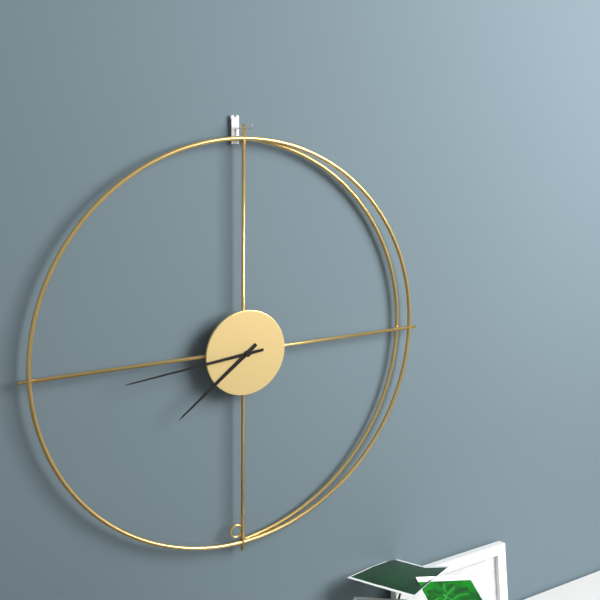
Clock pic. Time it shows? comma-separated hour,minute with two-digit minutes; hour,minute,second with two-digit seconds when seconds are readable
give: 7,44
